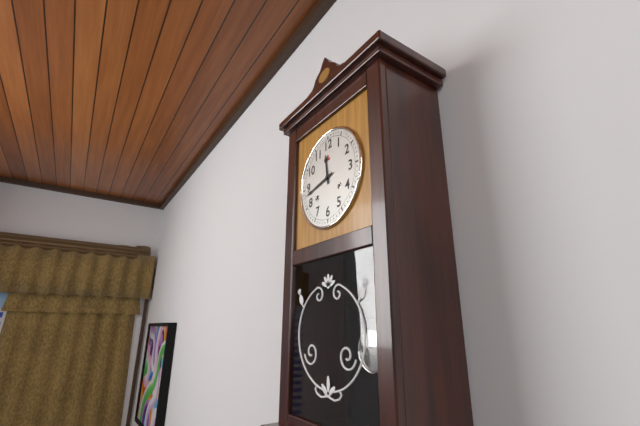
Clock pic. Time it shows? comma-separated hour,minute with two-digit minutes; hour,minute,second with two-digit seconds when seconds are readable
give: 11,43
